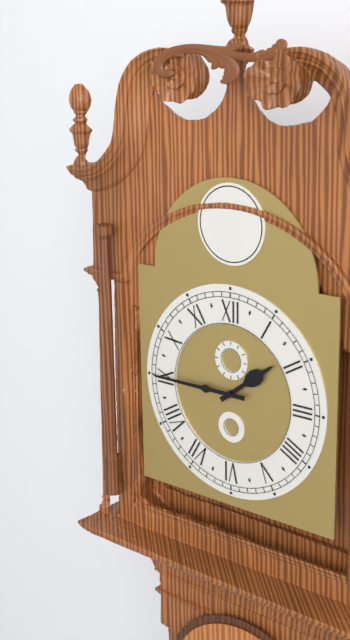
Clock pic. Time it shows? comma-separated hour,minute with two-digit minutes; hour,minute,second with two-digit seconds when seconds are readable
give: 1,45
